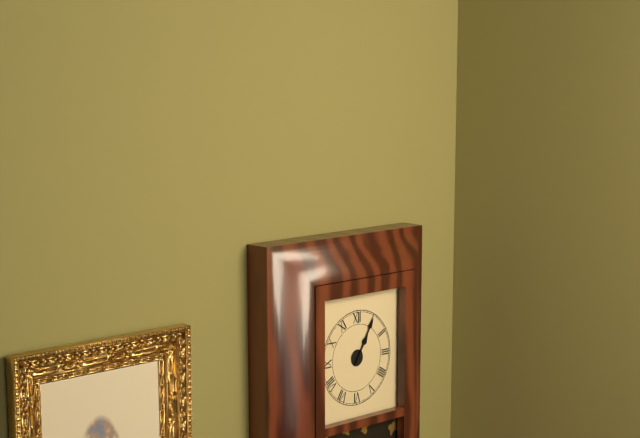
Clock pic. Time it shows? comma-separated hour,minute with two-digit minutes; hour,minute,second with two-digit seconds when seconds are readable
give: 1,05
